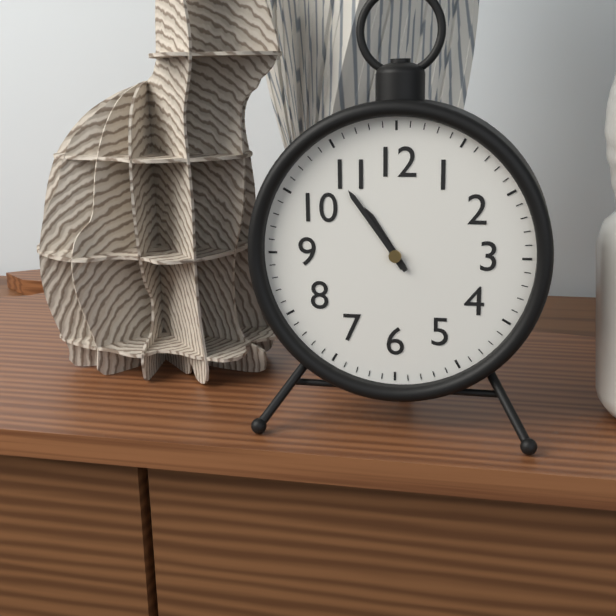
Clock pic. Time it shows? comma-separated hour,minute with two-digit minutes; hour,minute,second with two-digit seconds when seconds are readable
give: 10,54
